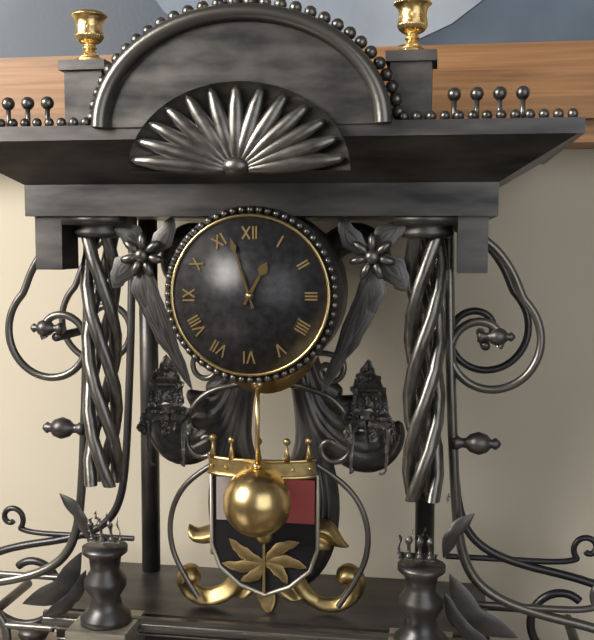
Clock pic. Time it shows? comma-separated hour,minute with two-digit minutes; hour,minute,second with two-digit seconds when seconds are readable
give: 12,57
